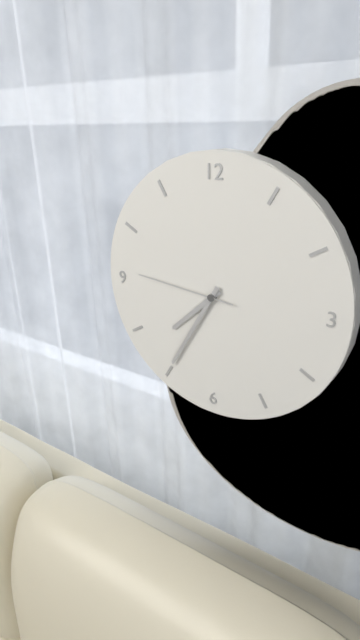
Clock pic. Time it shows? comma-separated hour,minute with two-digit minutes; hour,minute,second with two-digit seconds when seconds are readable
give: 7,35,46
